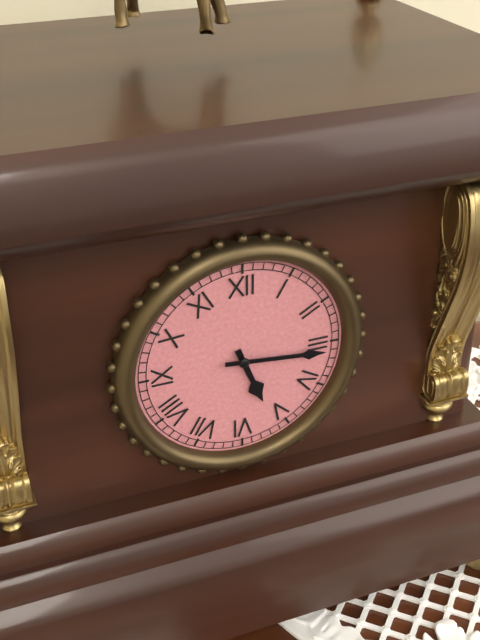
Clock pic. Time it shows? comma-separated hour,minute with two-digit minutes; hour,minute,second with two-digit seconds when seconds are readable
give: 5,16
